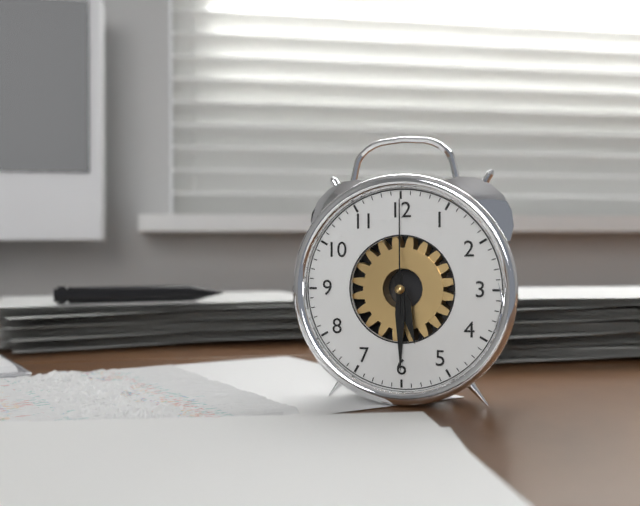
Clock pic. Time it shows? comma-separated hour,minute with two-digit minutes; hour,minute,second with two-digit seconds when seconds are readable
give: 5,30,00
